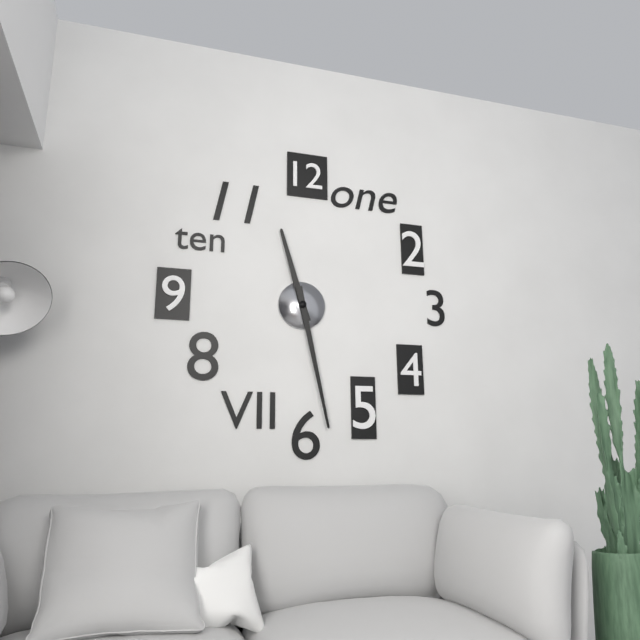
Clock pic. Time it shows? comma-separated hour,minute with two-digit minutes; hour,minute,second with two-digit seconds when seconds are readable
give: 11,28
